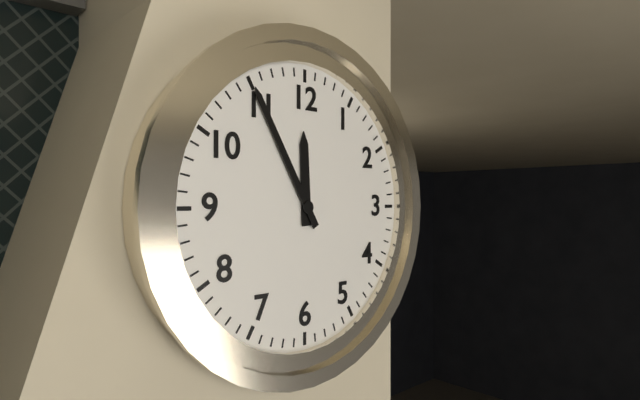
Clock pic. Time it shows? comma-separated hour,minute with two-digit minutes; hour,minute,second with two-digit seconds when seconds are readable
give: 11,55
